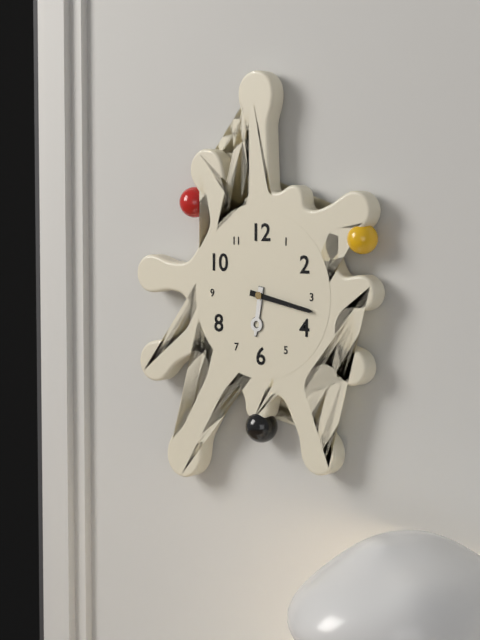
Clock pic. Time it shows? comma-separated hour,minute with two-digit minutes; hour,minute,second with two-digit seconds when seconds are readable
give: 6,17
